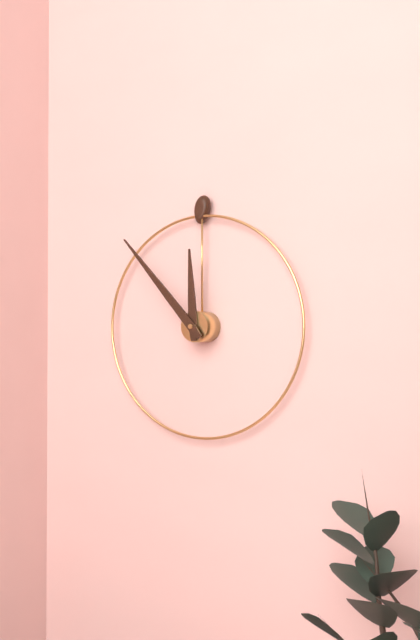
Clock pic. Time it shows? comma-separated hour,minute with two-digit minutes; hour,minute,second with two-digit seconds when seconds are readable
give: 11,53
